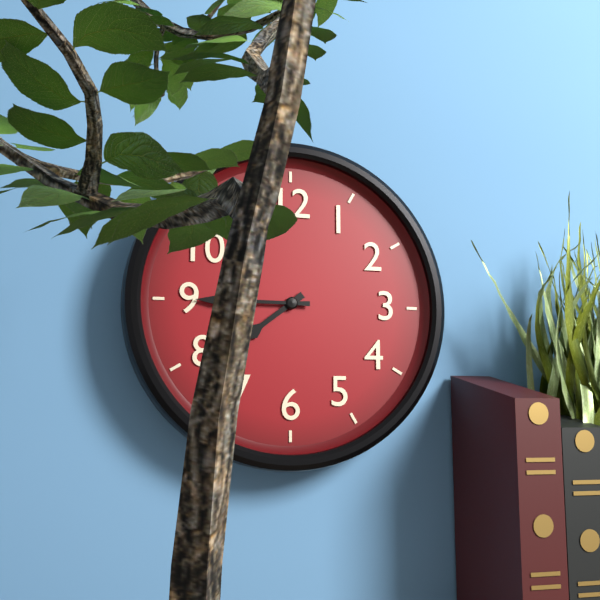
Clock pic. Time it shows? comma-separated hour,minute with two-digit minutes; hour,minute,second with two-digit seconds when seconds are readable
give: 7,45
